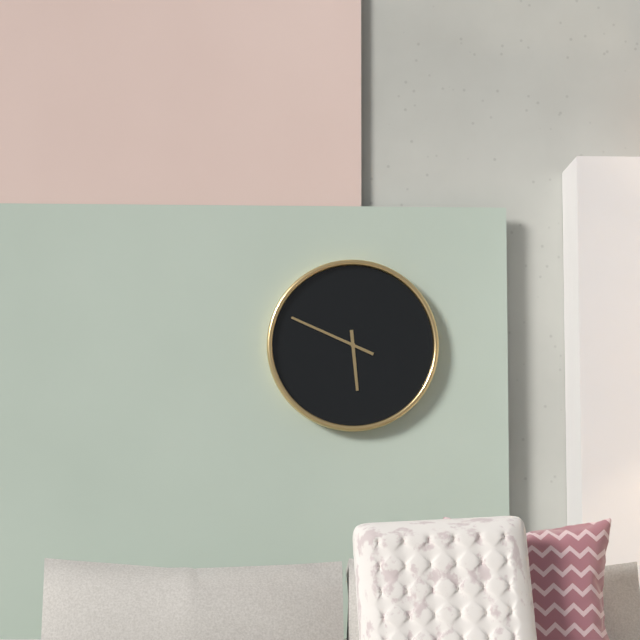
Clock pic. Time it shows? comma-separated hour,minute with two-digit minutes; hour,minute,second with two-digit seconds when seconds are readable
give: 5,49
